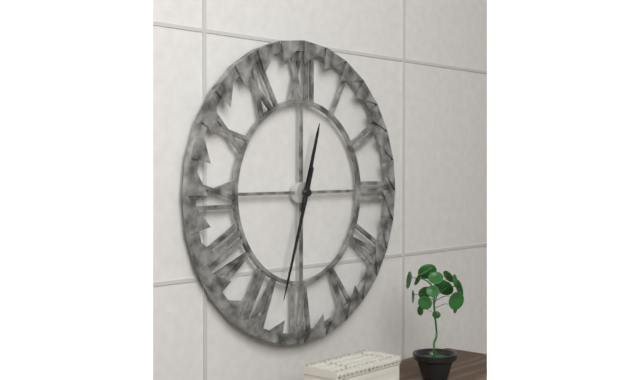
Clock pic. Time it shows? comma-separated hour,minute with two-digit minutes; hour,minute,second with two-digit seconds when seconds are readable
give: 12,33
